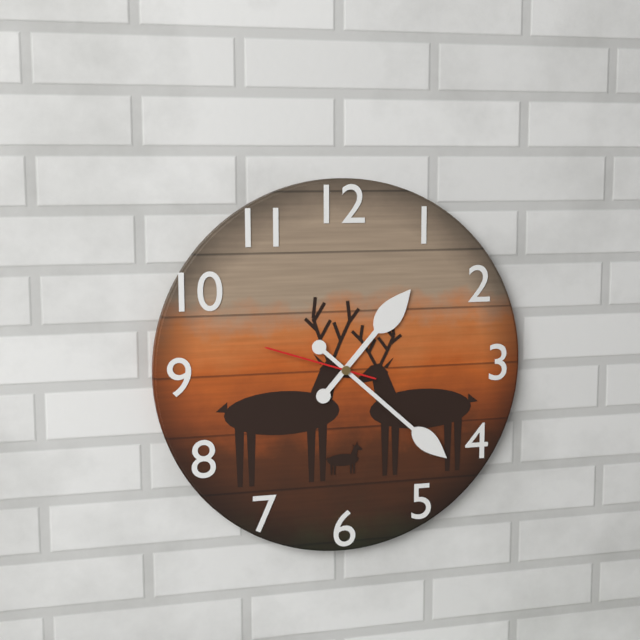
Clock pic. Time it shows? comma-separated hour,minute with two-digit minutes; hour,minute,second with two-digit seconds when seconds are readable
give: 1,22,48
